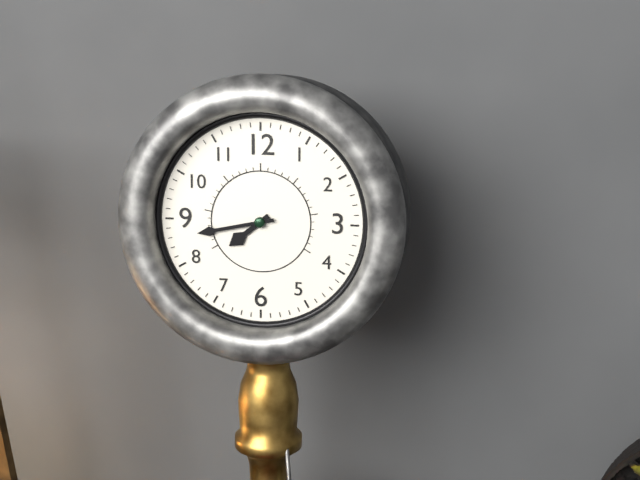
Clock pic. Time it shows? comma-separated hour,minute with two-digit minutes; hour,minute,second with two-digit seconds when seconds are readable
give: 7,43
